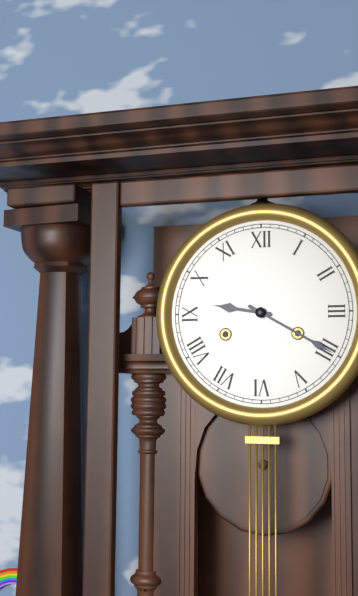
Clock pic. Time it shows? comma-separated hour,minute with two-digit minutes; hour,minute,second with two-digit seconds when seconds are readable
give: 9,20
